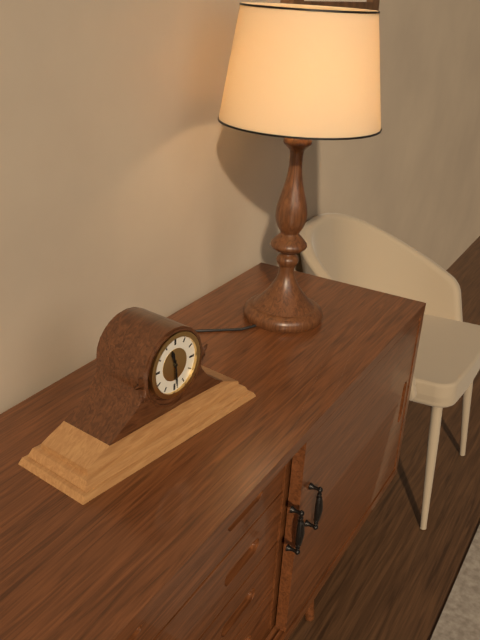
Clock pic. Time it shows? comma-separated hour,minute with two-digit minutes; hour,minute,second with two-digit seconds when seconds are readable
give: 11,29
